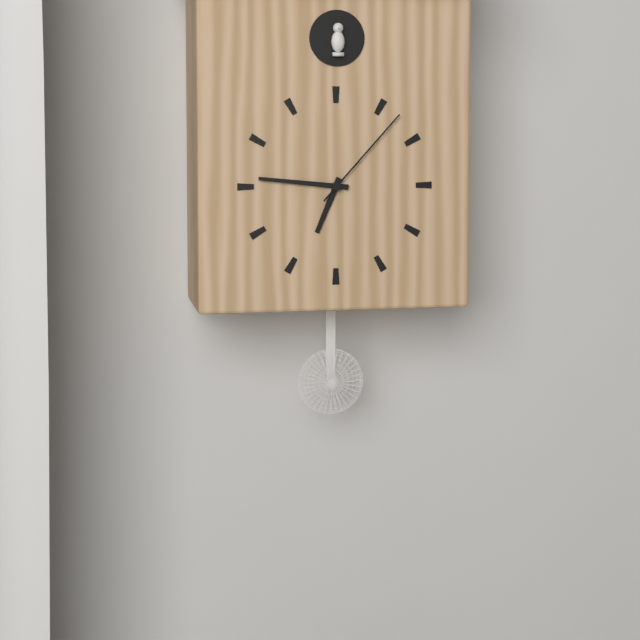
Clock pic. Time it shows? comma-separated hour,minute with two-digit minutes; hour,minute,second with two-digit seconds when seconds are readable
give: 6,46,07
